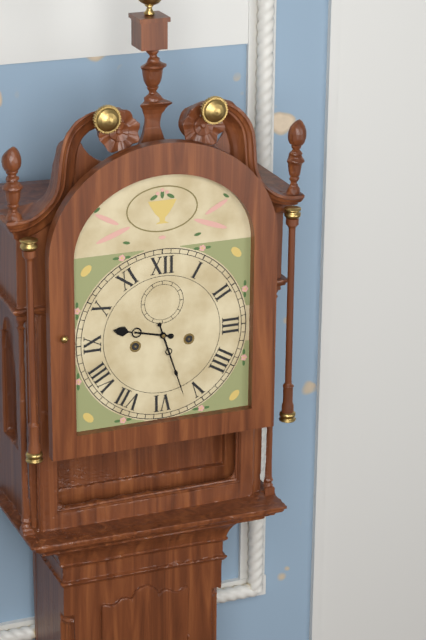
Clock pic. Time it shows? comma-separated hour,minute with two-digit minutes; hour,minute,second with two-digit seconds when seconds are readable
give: 9,27
